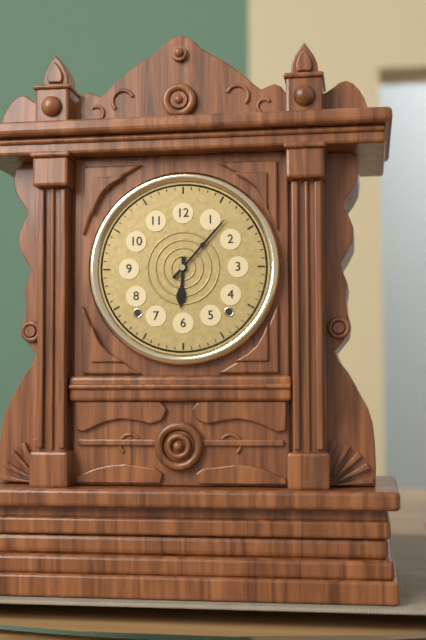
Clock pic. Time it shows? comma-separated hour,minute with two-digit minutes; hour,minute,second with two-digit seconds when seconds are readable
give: 6,07
